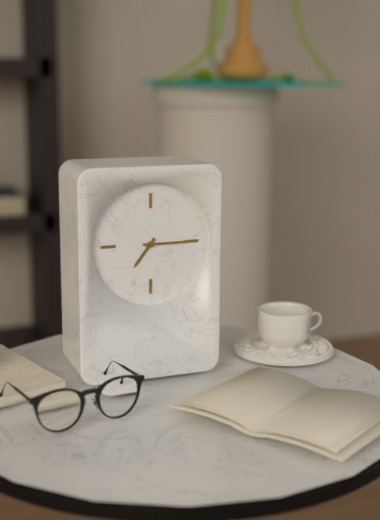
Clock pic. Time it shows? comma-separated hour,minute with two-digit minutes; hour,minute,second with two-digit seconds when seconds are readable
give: 7,15
